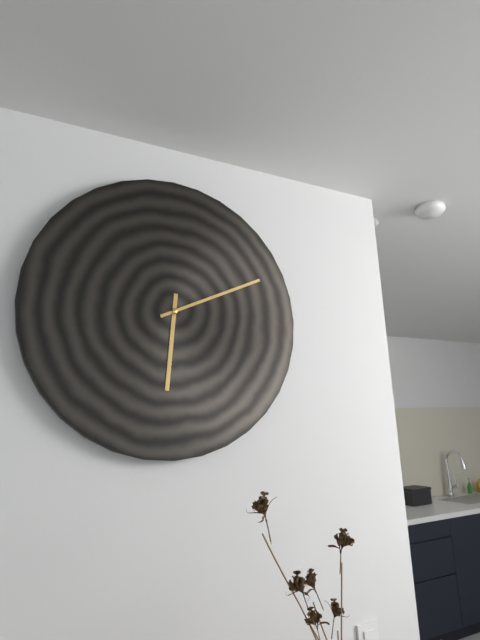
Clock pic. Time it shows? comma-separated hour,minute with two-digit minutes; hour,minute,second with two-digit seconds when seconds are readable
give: 6,11
